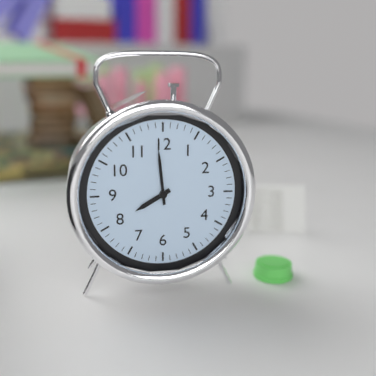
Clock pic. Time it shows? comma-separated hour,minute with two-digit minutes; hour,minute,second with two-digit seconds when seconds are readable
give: 7,59
